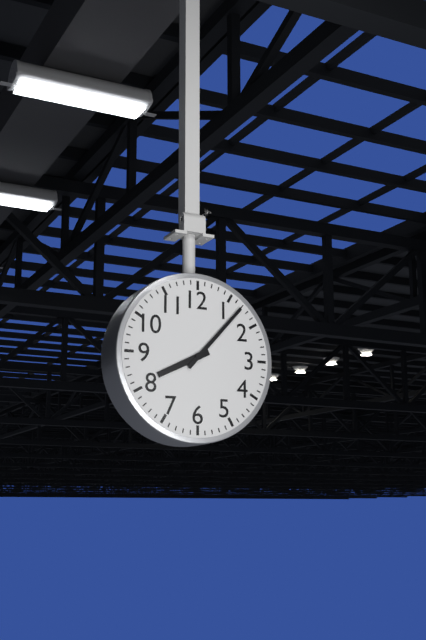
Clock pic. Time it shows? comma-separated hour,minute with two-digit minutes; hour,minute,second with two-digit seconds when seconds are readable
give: 8,07
